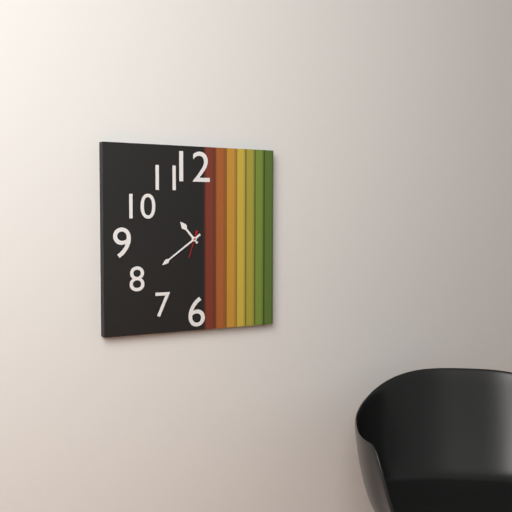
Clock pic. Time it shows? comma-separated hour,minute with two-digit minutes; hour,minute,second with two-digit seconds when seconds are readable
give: 10,39
